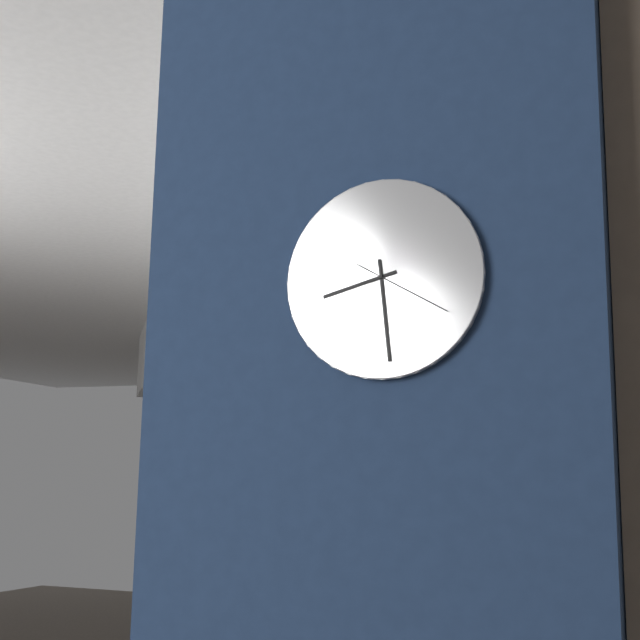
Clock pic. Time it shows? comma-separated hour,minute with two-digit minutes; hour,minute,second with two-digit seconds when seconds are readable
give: 8,29,20
